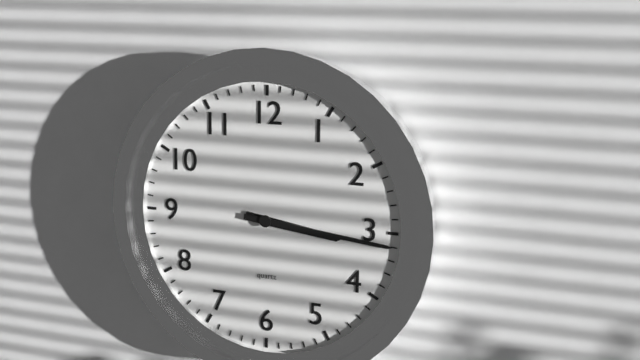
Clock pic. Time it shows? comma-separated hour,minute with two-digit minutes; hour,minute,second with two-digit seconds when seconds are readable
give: 3,16
